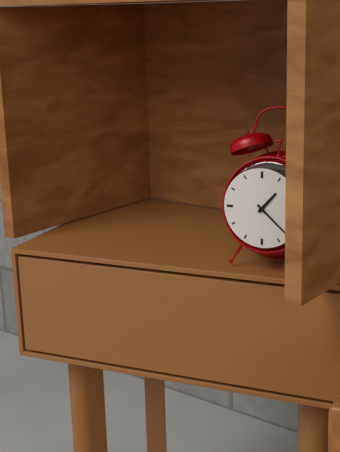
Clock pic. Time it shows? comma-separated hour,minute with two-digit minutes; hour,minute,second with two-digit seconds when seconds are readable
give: 1,22
